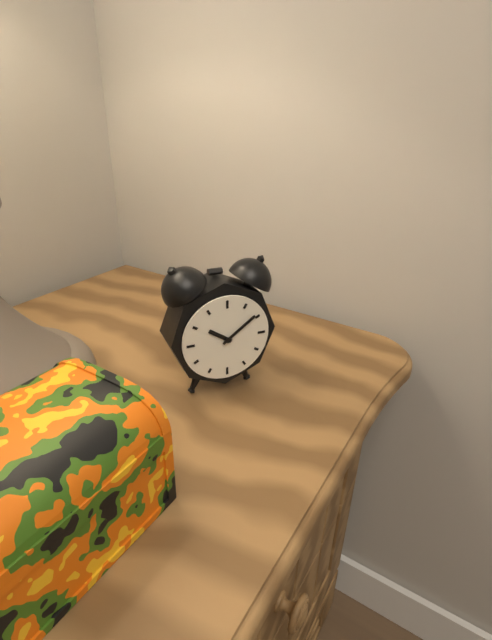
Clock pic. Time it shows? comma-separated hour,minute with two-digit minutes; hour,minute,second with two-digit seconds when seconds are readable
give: 10,09
